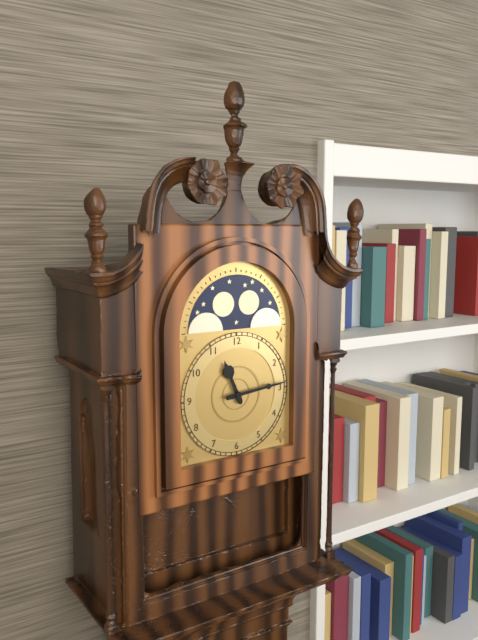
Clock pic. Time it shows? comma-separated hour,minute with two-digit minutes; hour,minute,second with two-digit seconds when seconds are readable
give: 11,14
